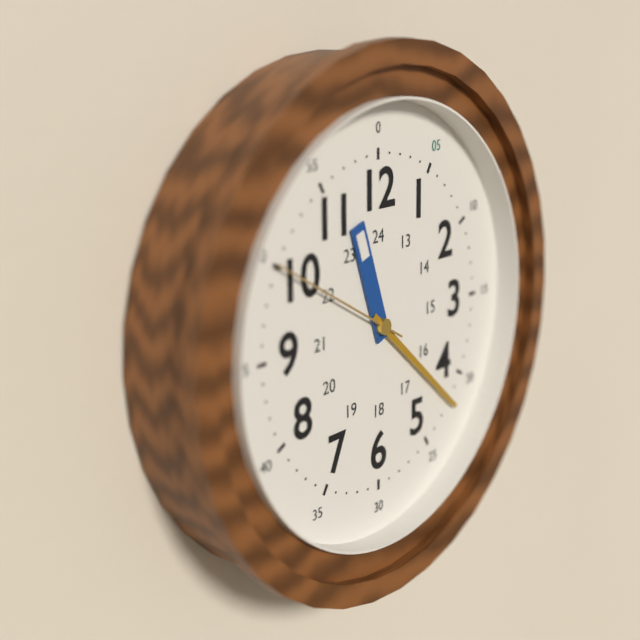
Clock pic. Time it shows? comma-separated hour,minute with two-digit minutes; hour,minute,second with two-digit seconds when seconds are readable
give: 11,22,50
